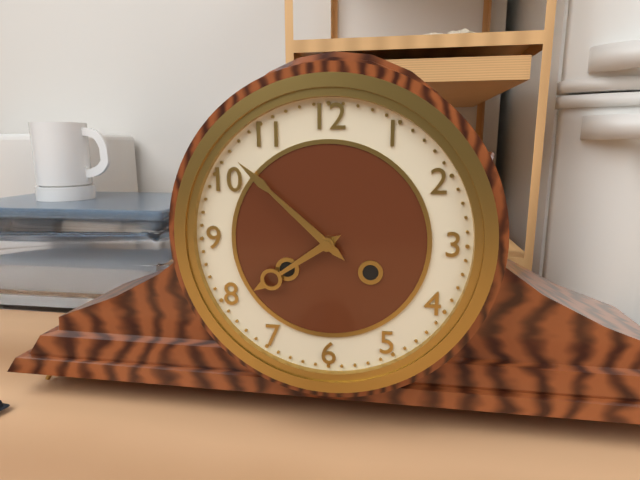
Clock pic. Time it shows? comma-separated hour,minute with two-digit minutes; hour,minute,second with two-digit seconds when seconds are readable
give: 7,52
